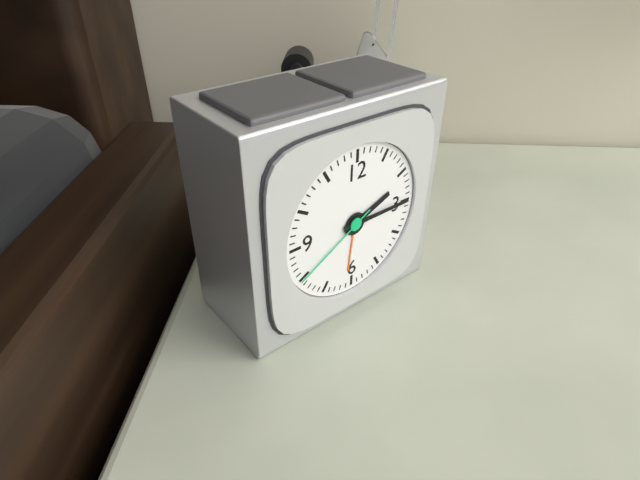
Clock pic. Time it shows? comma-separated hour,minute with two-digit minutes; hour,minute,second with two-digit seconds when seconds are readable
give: 2,15,40
